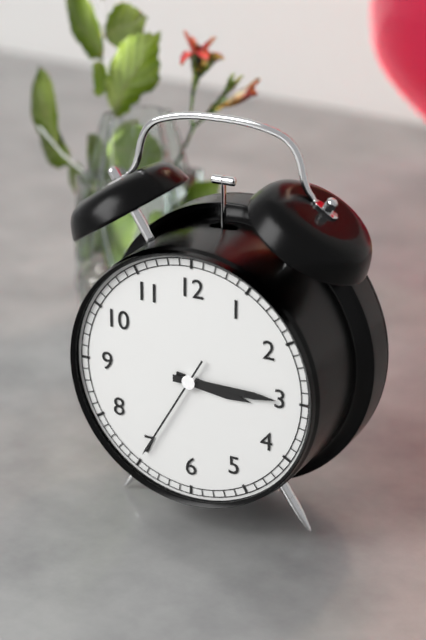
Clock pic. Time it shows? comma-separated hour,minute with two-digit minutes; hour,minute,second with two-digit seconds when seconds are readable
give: 3,15,35
